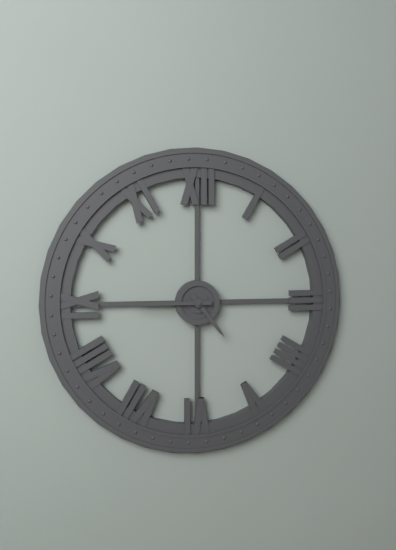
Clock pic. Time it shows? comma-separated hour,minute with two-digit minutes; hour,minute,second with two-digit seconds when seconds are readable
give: 4,45
